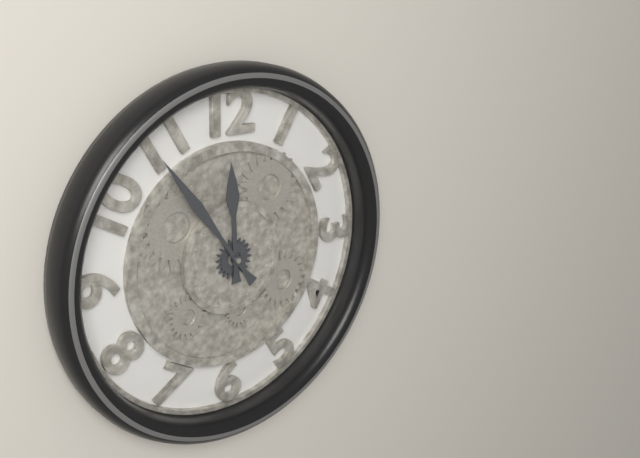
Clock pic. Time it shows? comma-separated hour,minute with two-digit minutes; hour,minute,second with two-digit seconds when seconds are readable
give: 11,54
